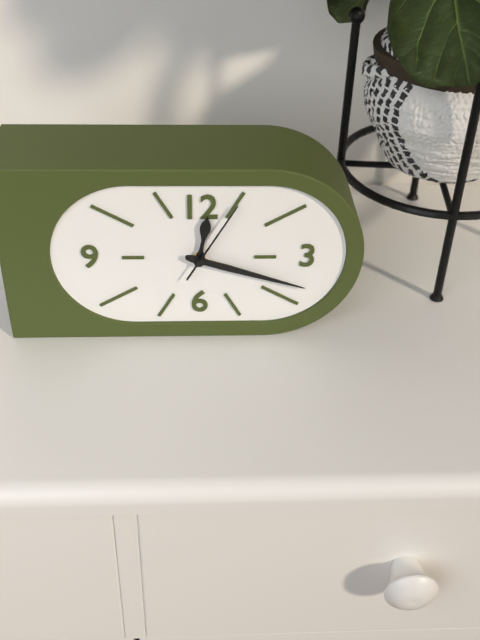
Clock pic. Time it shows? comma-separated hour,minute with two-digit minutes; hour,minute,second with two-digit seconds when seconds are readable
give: 12,18,05
